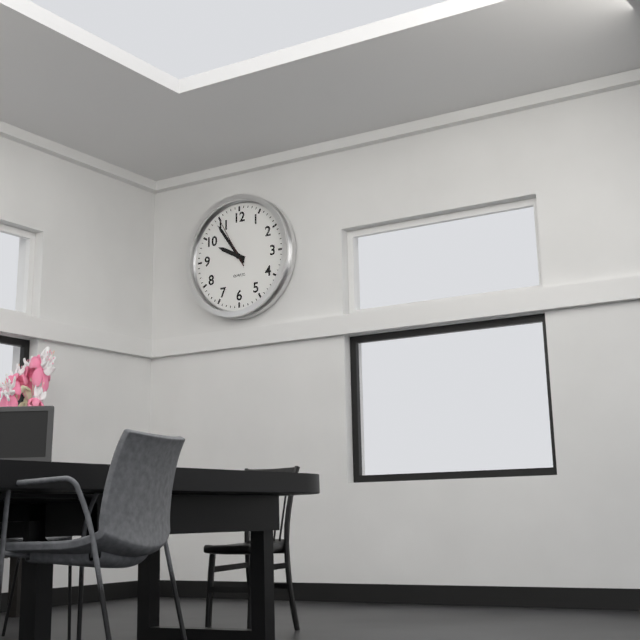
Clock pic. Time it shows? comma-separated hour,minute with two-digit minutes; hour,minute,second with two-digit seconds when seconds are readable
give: 9,54,55
